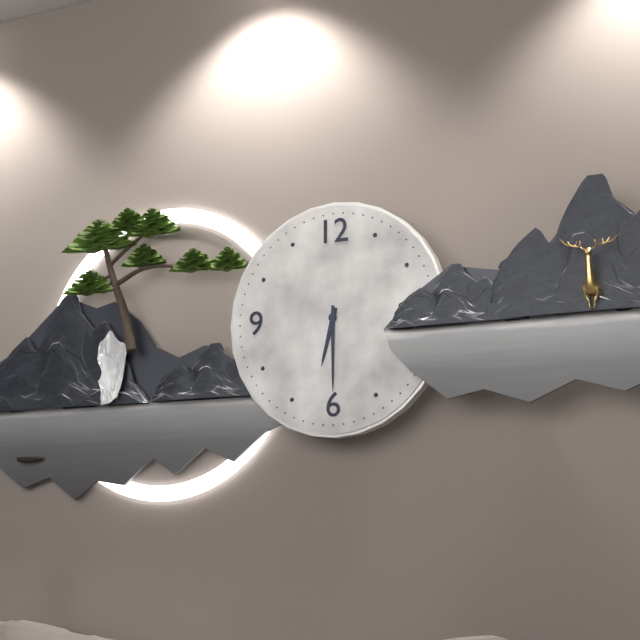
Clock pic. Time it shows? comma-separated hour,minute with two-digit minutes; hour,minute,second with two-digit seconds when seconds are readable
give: 6,30
